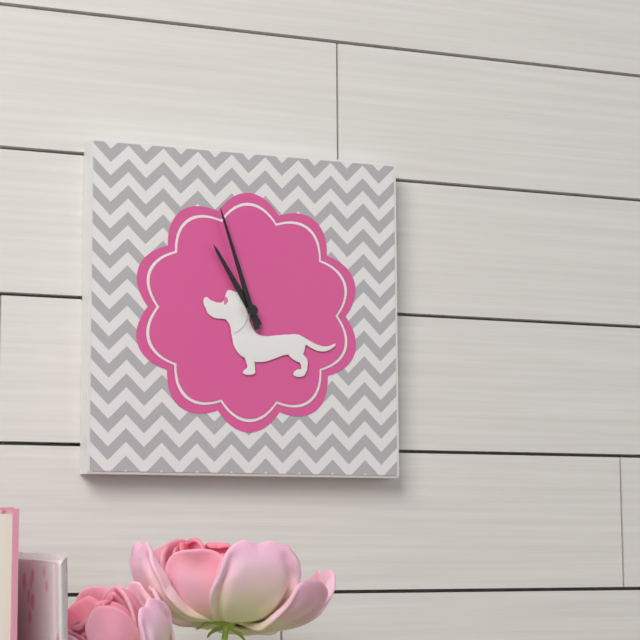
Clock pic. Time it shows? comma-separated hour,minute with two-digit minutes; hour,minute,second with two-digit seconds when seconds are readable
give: 10,57
